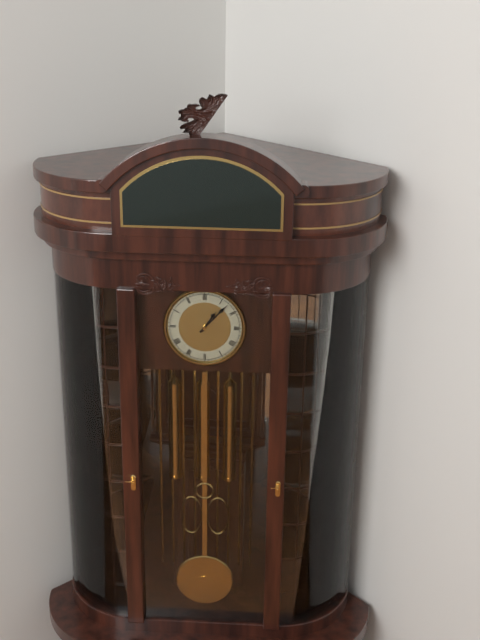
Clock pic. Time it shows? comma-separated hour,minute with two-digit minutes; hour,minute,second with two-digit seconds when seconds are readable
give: 1,07
